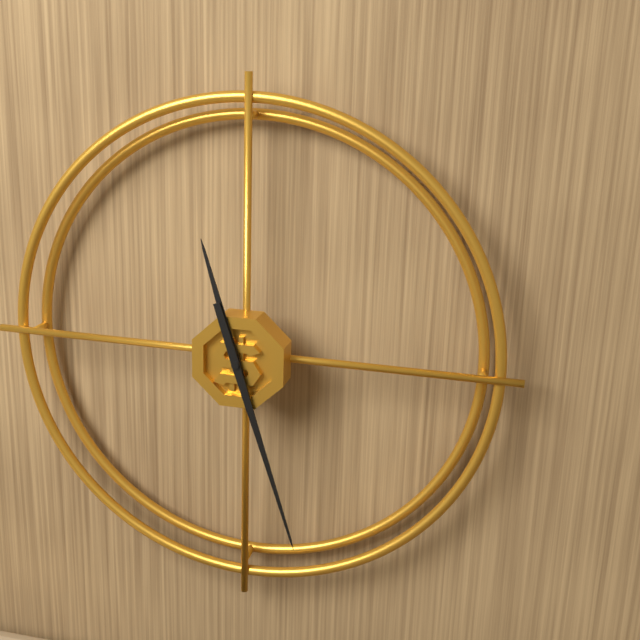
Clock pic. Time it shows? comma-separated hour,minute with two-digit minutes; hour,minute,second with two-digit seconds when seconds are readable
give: 11,27
